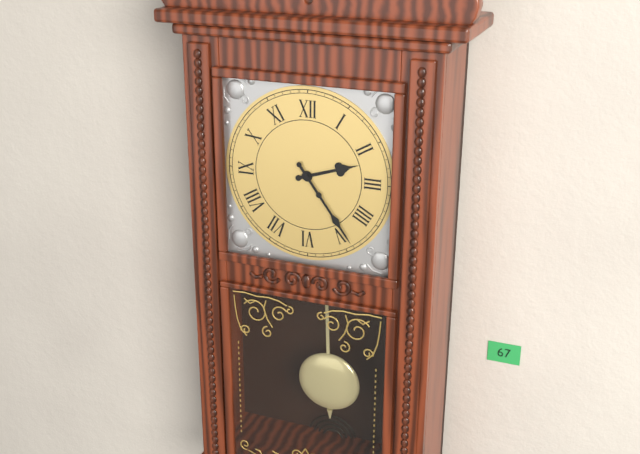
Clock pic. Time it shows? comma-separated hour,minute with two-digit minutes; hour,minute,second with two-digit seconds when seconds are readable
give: 2,24
